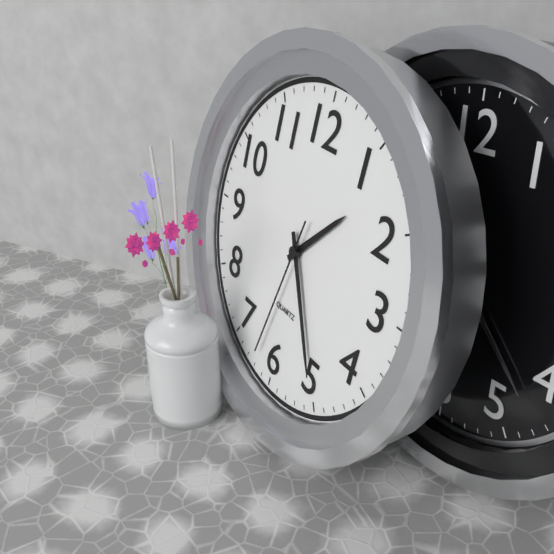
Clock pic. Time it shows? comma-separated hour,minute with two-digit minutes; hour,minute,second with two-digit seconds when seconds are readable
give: 1,25,32
